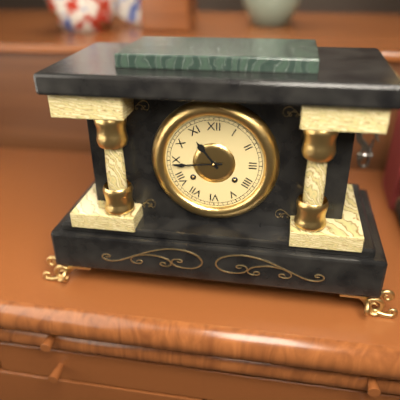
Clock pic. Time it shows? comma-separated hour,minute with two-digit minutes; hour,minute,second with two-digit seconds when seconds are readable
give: 10,44
